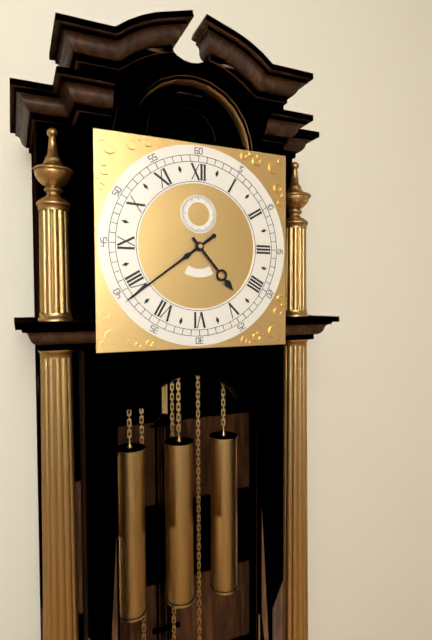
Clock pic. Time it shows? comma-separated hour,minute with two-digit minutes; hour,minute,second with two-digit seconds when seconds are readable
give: 4,39
